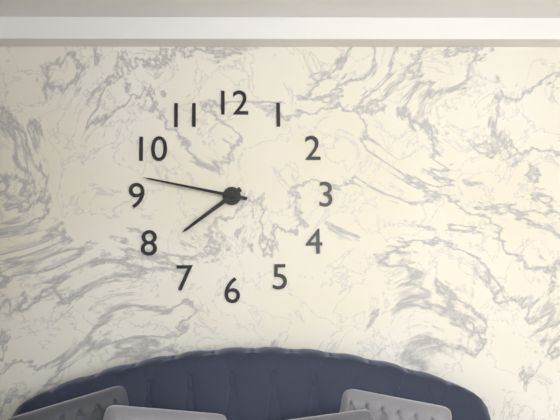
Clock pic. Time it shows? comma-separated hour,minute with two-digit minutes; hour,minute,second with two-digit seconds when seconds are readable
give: 7,47
